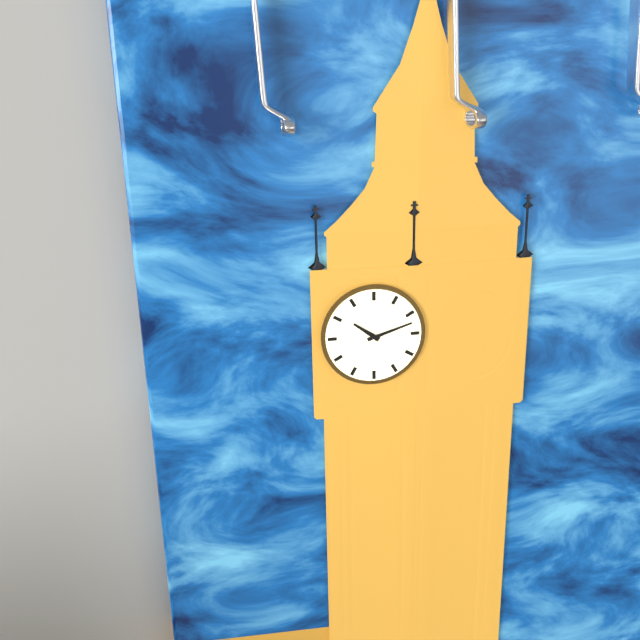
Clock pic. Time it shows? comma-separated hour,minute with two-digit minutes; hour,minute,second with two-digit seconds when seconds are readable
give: 10,12
